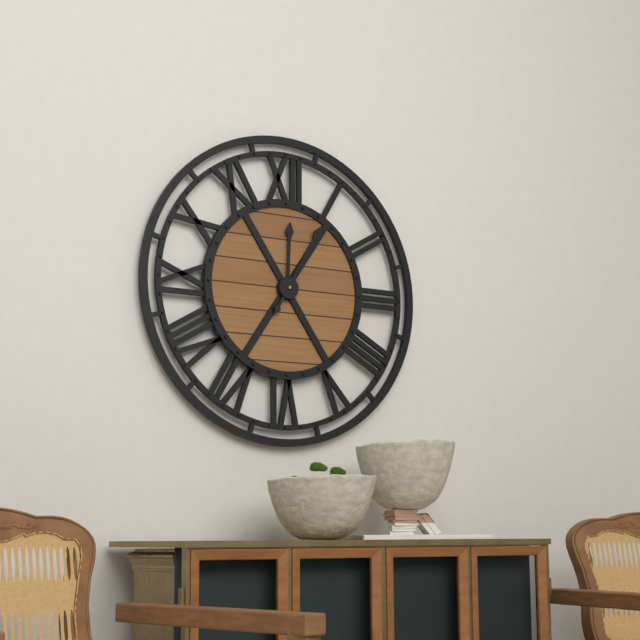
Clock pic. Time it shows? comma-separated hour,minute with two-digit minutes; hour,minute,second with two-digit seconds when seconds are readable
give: 12,05
